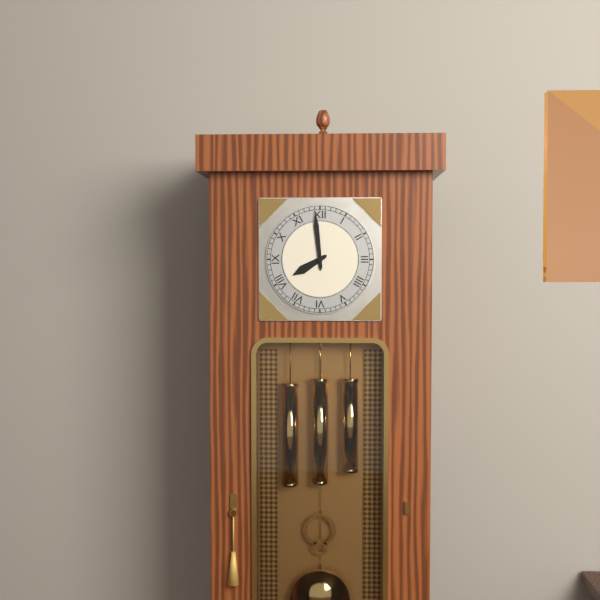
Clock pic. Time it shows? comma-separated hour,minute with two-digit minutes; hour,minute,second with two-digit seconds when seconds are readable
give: 7,59
